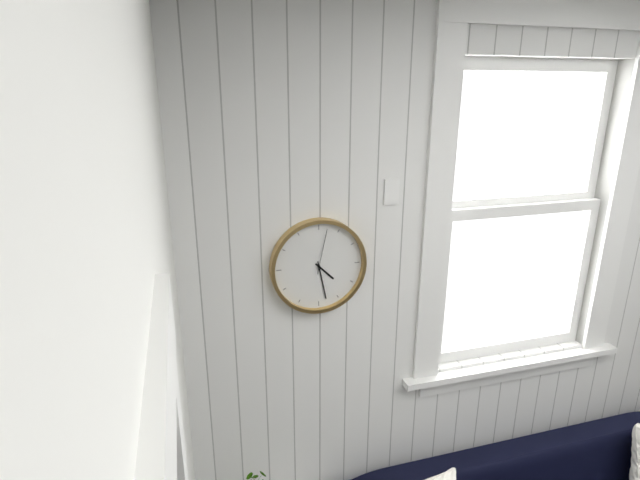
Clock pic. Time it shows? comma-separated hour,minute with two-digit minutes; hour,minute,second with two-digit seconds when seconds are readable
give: 4,28
